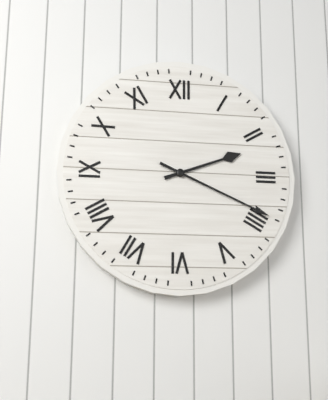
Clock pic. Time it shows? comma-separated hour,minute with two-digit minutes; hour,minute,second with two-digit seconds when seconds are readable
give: 2,19
